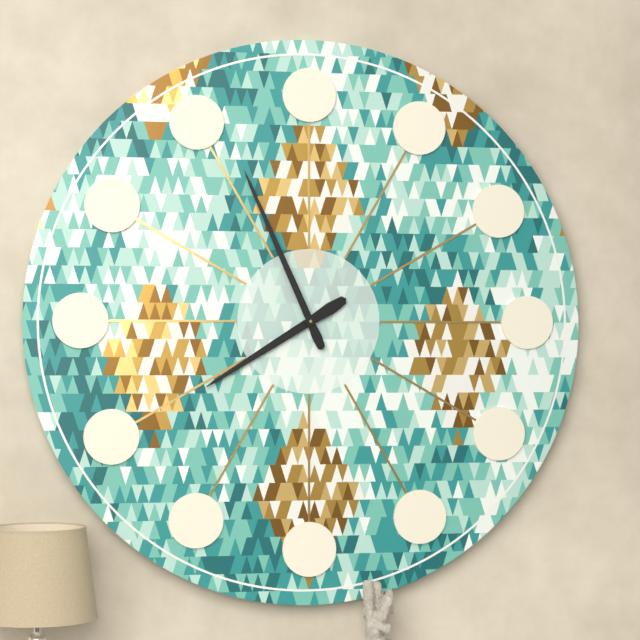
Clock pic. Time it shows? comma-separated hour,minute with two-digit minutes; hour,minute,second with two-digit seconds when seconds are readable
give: 7,56
